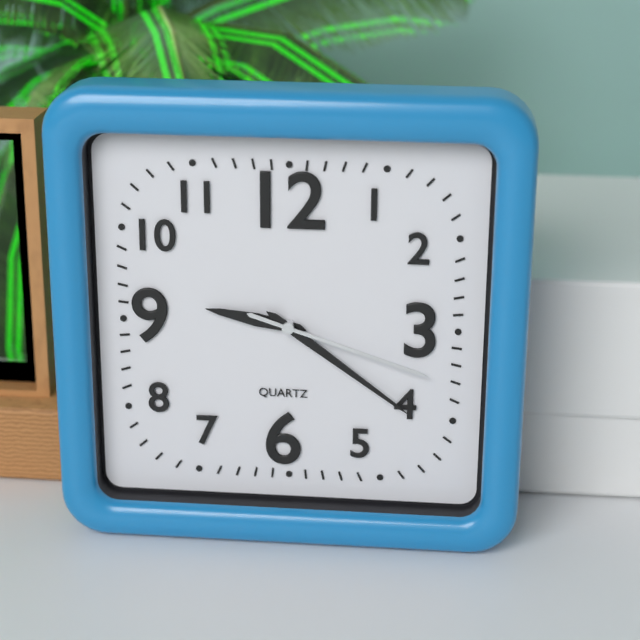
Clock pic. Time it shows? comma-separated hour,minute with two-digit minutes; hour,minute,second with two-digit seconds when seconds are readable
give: 9,21,18
